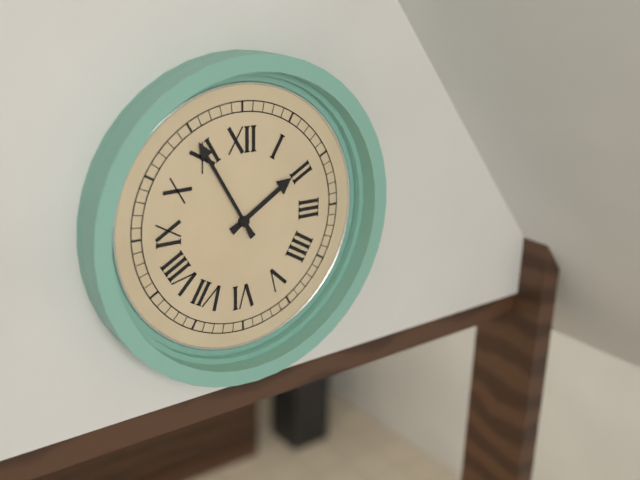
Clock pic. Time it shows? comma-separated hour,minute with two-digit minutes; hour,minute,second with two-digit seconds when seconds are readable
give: 1,55
